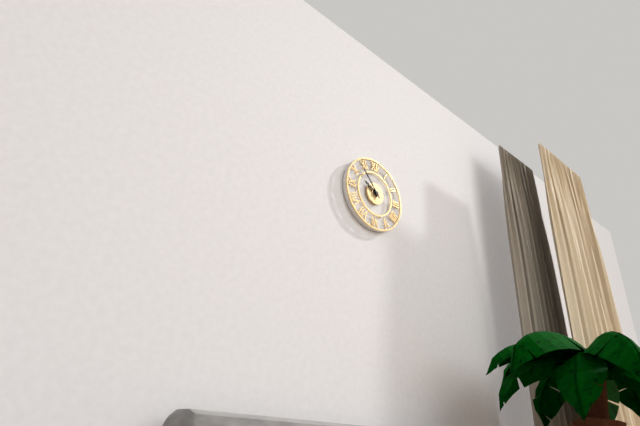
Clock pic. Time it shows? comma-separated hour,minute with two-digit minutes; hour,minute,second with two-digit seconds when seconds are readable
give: 9,53
